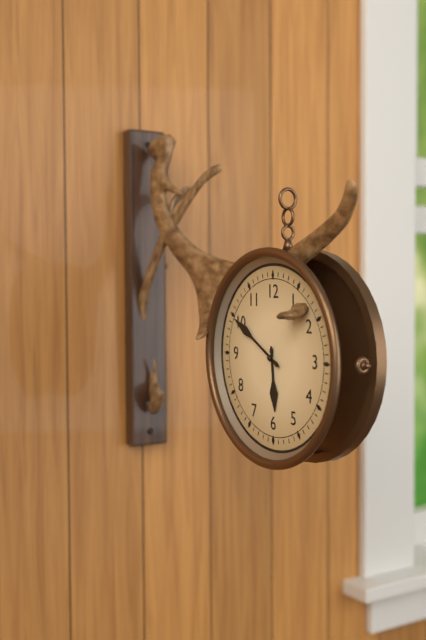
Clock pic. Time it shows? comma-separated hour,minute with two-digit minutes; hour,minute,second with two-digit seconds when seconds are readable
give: 5,50
